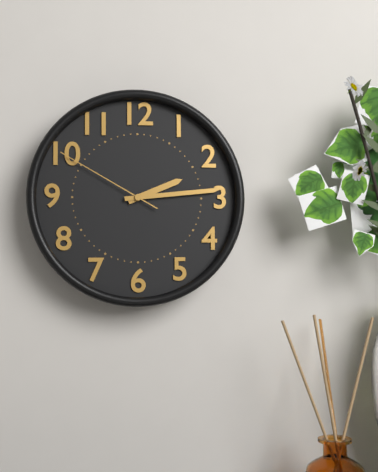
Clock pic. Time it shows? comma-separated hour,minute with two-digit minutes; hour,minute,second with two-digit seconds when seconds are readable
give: 2,14,50
